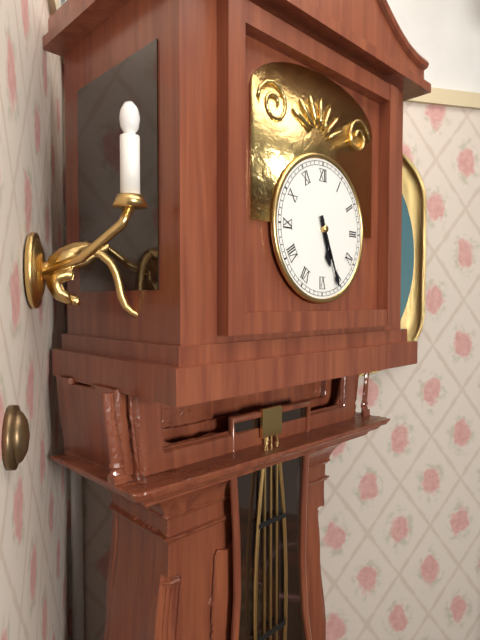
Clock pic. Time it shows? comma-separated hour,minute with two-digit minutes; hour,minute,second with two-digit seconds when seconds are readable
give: 5,26
